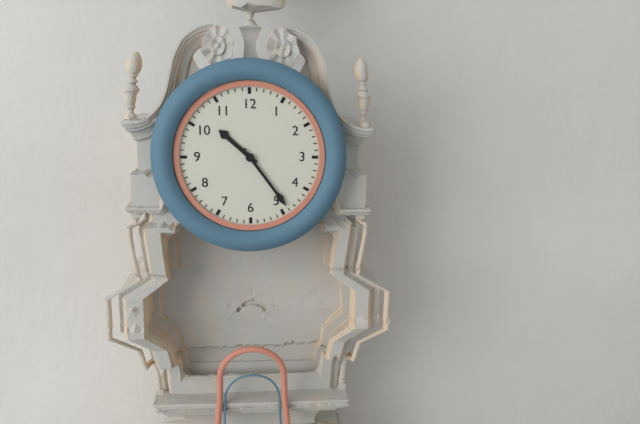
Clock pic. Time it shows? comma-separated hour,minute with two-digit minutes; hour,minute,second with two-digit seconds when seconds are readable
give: 10,24
